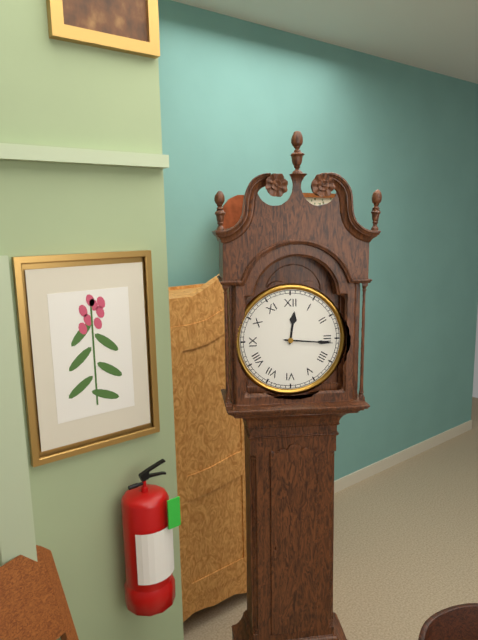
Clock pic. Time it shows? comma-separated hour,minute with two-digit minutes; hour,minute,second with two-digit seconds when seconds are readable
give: 12,16
